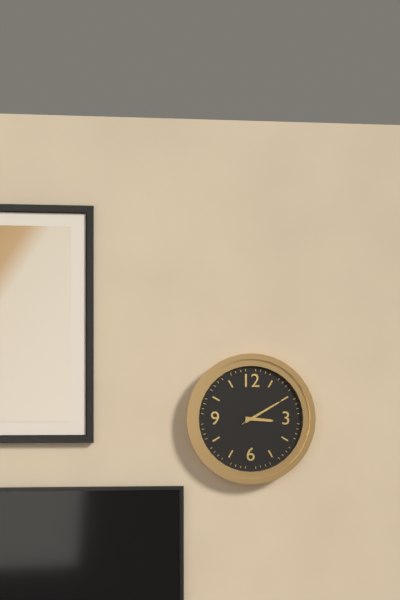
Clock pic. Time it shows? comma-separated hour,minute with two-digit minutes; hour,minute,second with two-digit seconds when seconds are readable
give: 3,10,10
